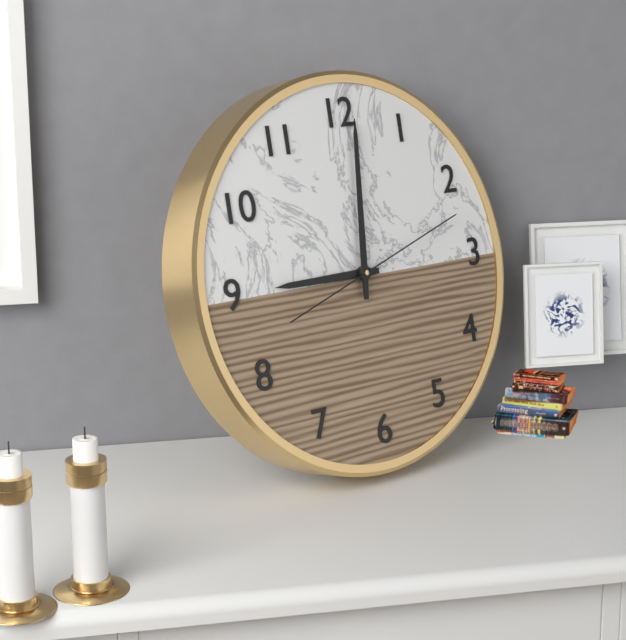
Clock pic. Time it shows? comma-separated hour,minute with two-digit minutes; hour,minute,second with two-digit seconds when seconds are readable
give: 9,01,12
